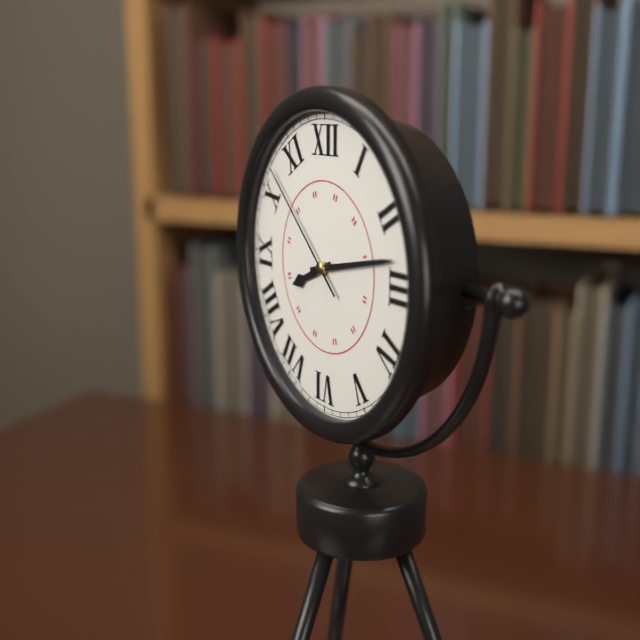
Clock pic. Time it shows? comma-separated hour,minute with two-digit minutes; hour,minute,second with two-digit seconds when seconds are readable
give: 8,13,52
